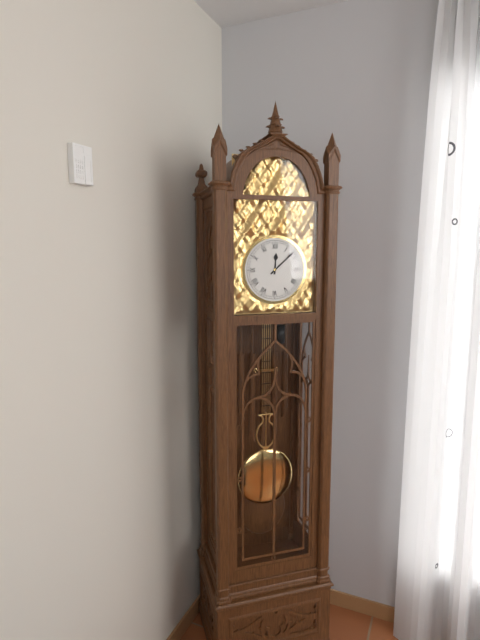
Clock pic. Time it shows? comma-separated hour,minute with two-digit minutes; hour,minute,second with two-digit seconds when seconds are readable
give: 12,08
